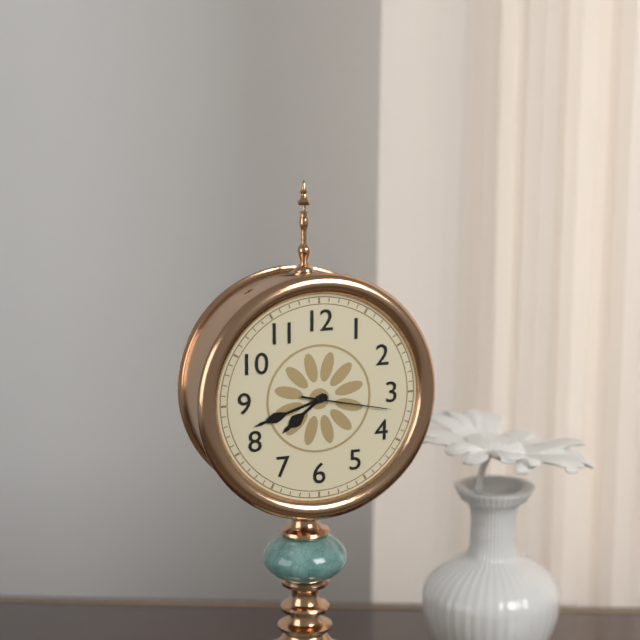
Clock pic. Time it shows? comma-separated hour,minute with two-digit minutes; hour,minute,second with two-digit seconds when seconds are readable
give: 7,42,17
